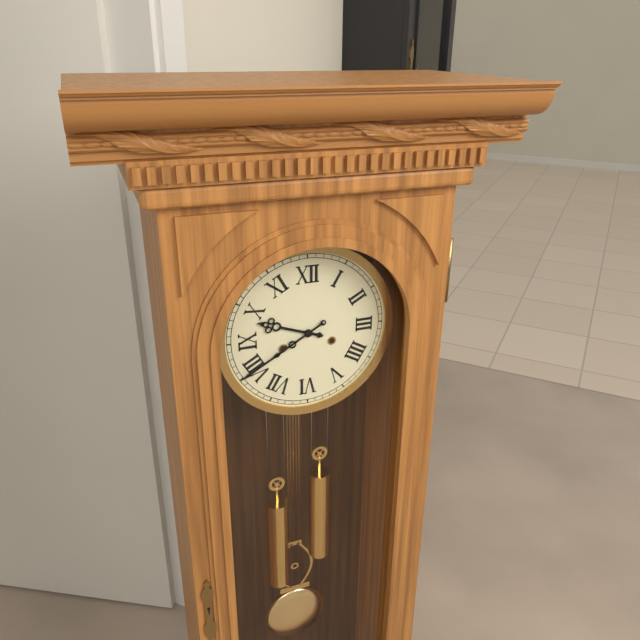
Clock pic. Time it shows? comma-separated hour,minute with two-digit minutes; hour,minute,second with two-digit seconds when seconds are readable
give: 9,40
